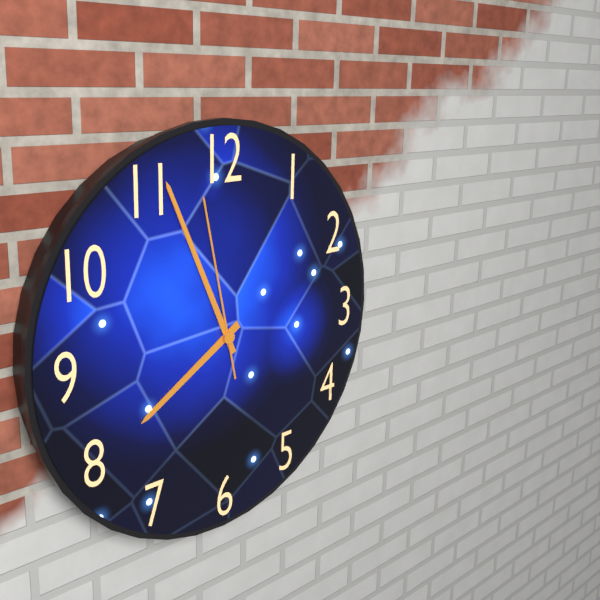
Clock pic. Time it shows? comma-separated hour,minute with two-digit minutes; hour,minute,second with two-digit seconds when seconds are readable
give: 7,56,58
